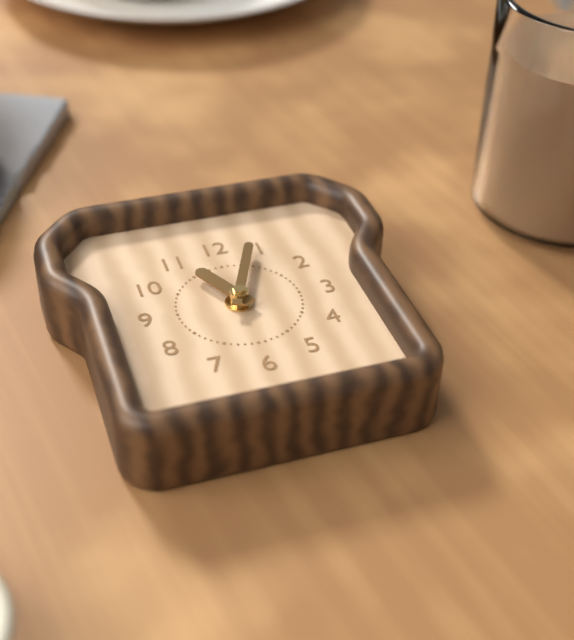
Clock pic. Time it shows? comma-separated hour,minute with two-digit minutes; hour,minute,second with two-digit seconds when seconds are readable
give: 11,04
